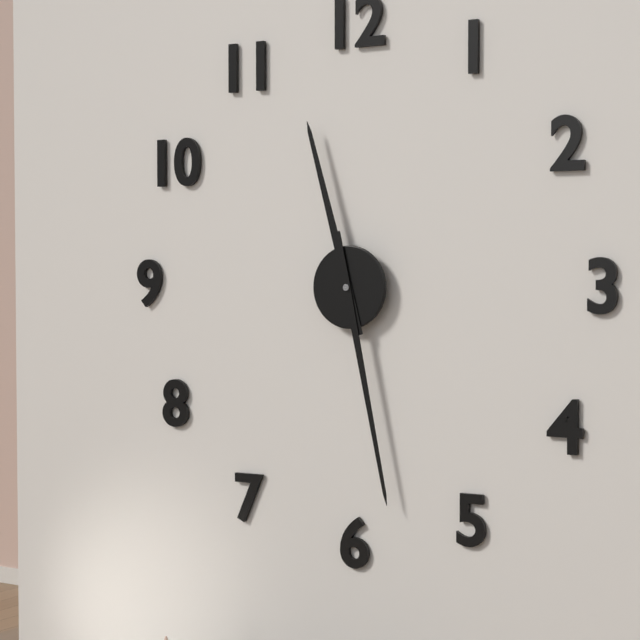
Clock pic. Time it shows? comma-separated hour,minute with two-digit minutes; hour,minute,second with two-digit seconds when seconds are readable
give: 11,28
